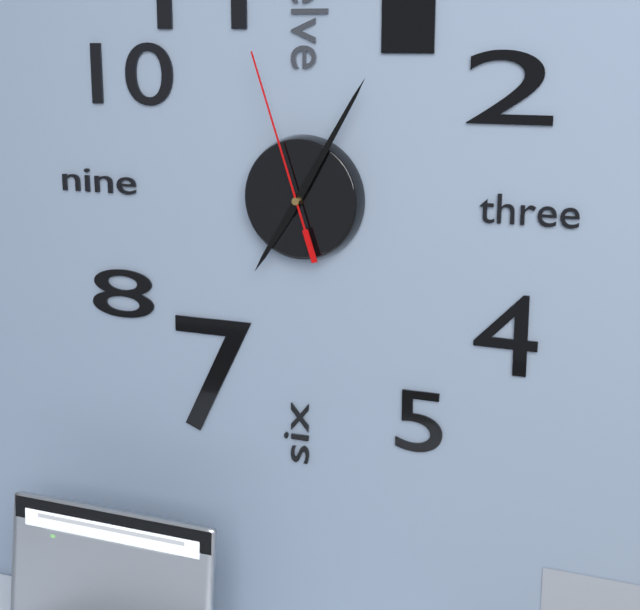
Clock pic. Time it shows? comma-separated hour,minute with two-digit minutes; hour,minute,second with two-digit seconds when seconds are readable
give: 7,05,57
